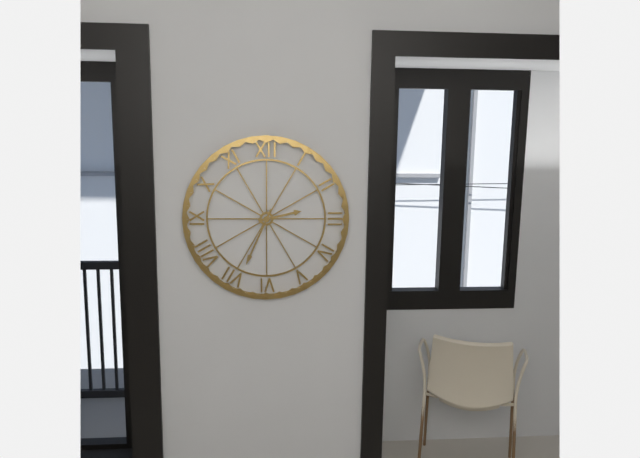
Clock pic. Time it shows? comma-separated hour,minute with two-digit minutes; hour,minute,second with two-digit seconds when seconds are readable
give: 2,34
